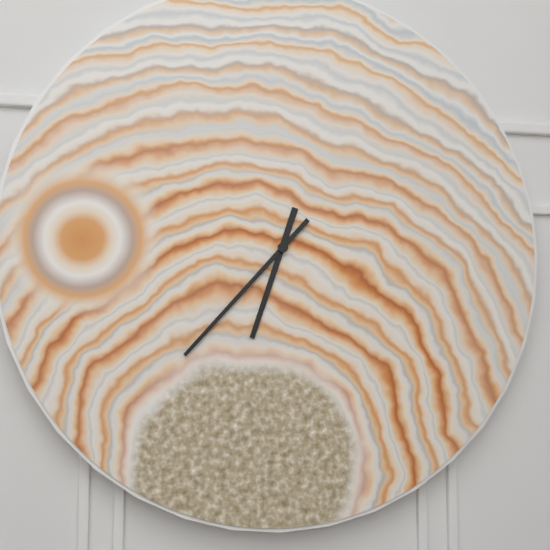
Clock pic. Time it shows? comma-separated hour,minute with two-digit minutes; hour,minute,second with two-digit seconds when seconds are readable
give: 6,37
